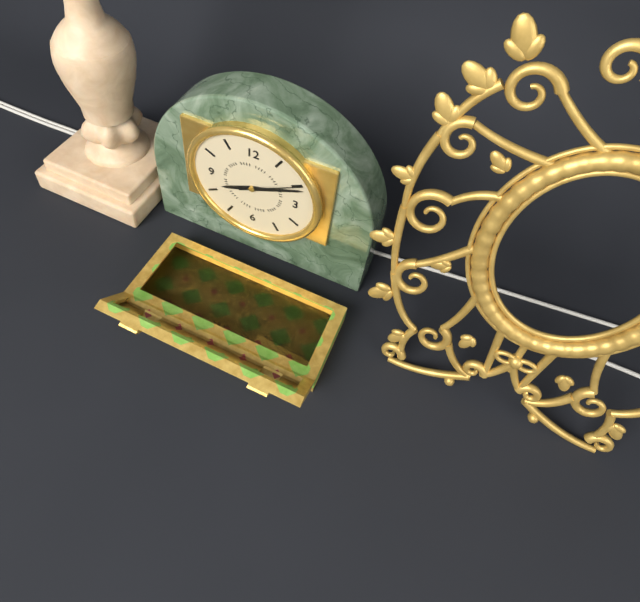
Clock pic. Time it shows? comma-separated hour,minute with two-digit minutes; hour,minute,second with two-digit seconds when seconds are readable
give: 8,11,10
